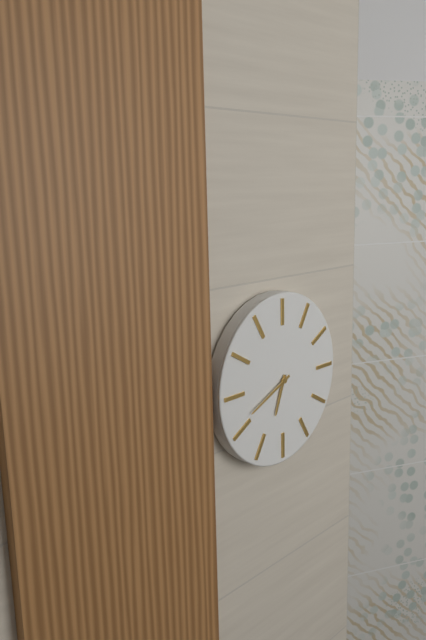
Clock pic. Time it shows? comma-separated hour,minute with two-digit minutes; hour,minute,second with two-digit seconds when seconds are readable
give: 6,41
